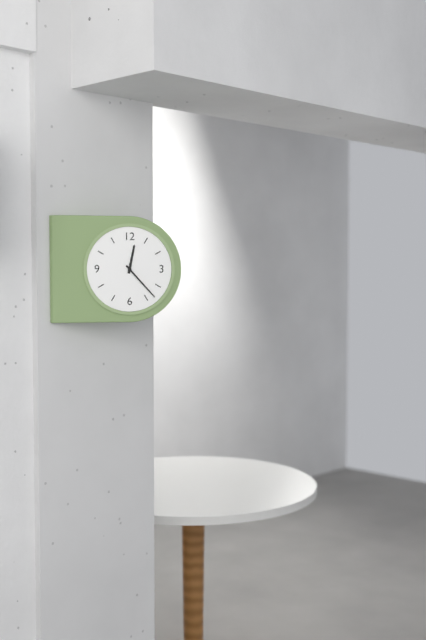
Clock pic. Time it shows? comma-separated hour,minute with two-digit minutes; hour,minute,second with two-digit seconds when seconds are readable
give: 12,23
